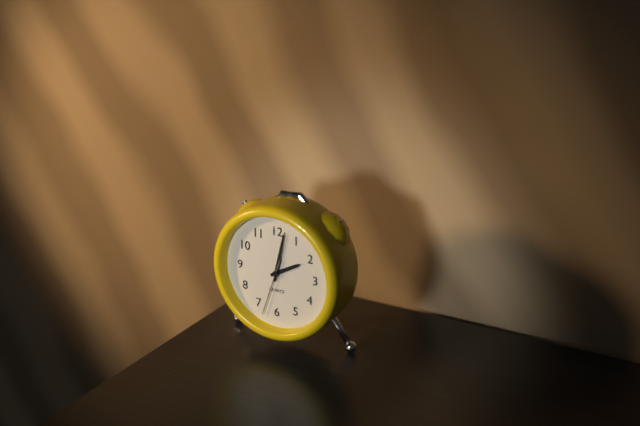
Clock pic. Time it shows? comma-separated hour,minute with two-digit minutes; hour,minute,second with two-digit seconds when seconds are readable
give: 2,02,33
